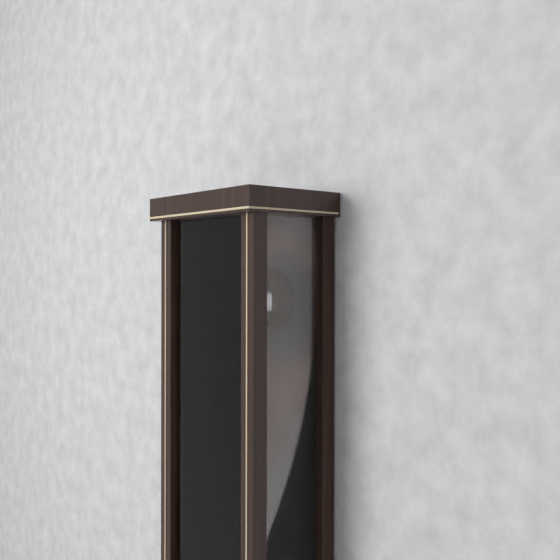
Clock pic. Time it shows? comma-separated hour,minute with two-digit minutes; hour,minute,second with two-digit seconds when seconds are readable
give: 8,47
